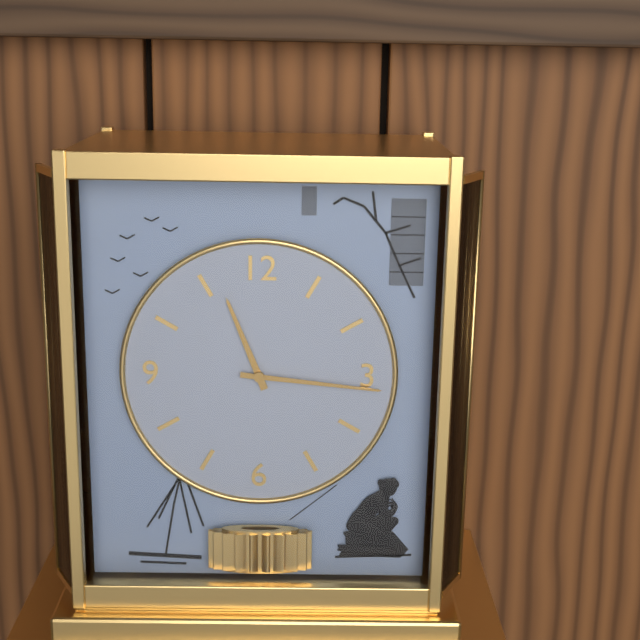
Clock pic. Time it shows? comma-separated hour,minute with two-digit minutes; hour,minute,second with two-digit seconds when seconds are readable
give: 11,16
